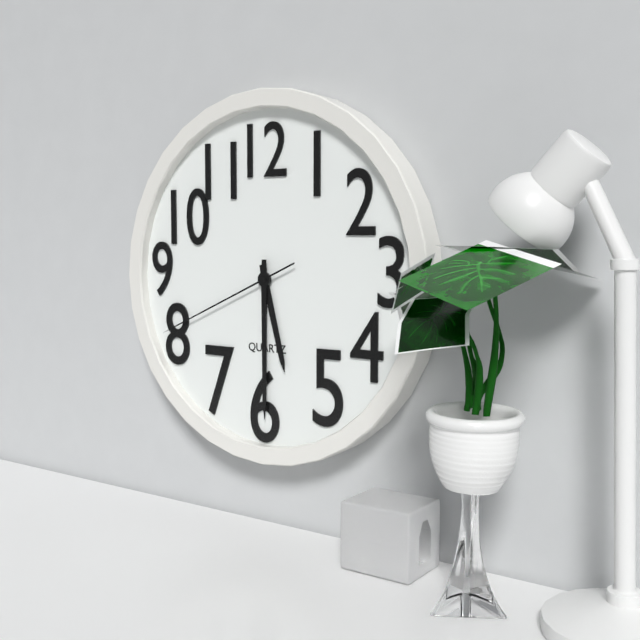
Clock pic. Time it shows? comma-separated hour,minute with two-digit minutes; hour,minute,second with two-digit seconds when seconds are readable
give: 5,30,41
